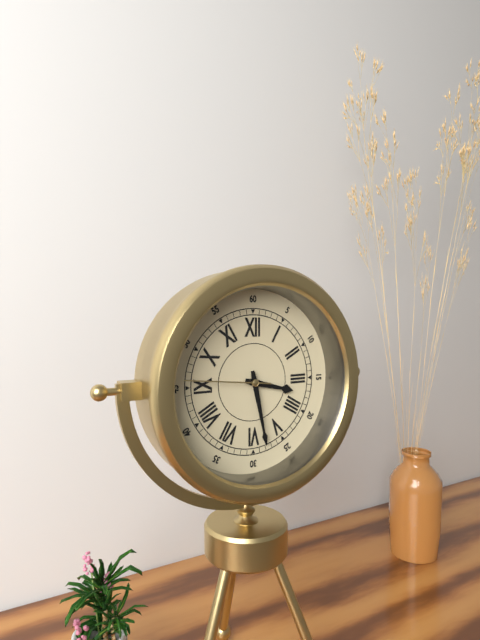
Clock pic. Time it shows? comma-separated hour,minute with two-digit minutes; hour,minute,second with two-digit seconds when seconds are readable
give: 3,28,46
